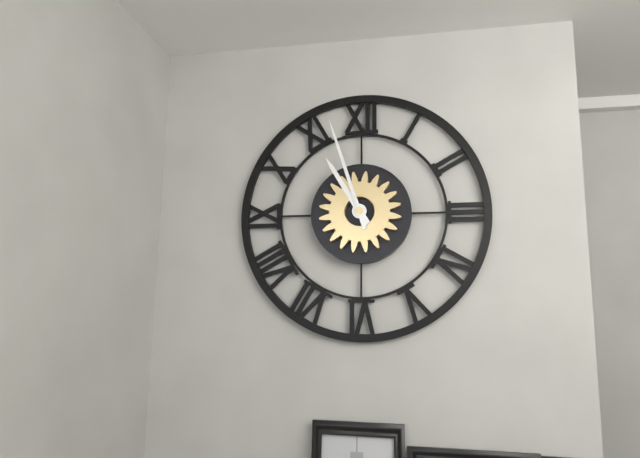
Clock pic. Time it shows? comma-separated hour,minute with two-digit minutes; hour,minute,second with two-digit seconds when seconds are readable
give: 10,57
